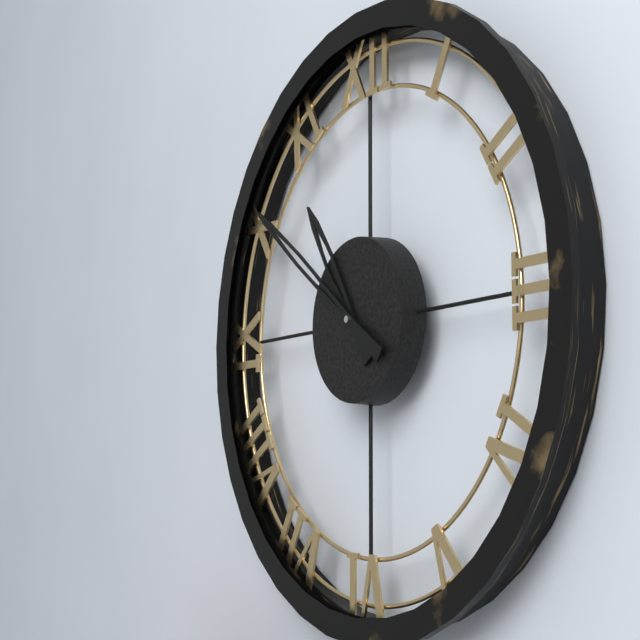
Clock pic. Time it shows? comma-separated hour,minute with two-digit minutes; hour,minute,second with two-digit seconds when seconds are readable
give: 10,51
